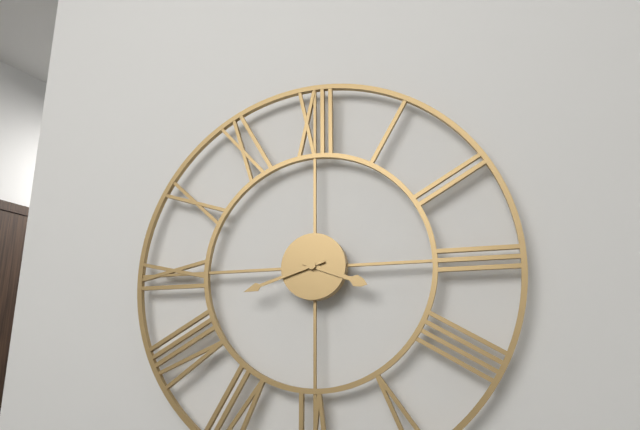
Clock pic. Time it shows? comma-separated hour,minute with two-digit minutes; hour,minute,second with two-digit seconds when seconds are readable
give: 3,42
